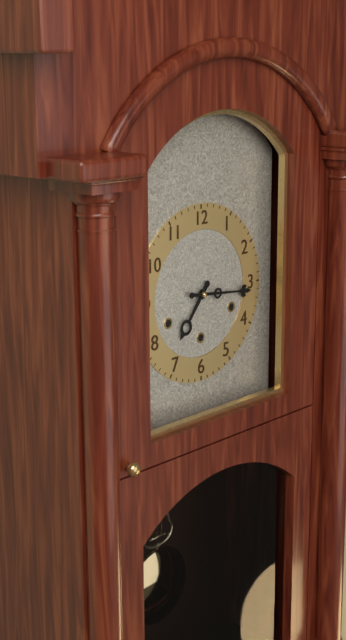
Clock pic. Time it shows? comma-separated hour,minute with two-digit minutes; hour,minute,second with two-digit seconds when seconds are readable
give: 7,16
